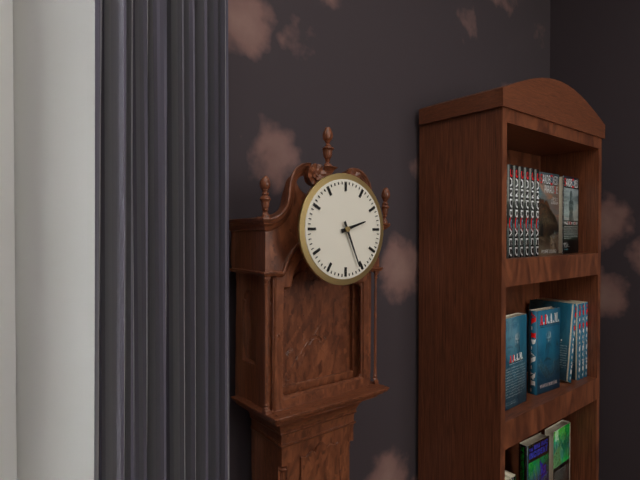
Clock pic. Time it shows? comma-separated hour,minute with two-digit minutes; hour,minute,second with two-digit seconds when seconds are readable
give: 2,26
